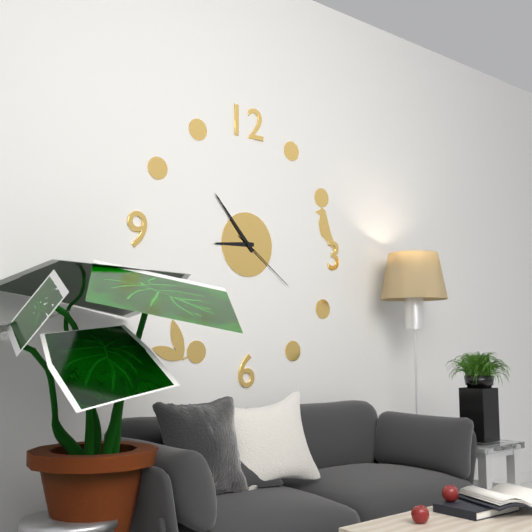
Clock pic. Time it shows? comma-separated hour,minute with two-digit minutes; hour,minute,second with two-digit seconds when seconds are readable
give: 8,53,21
